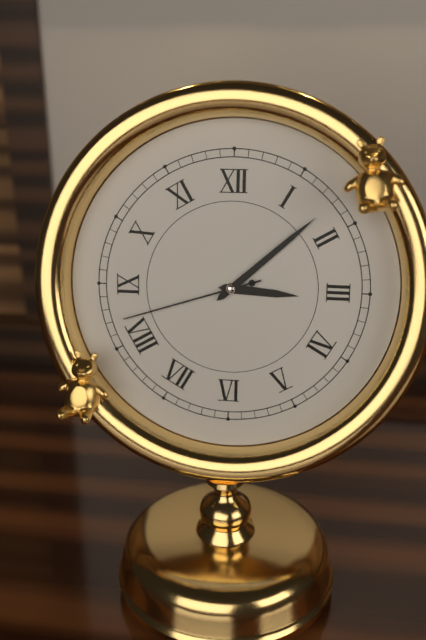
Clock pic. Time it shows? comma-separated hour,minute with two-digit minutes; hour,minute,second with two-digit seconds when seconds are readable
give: 3,08,42
